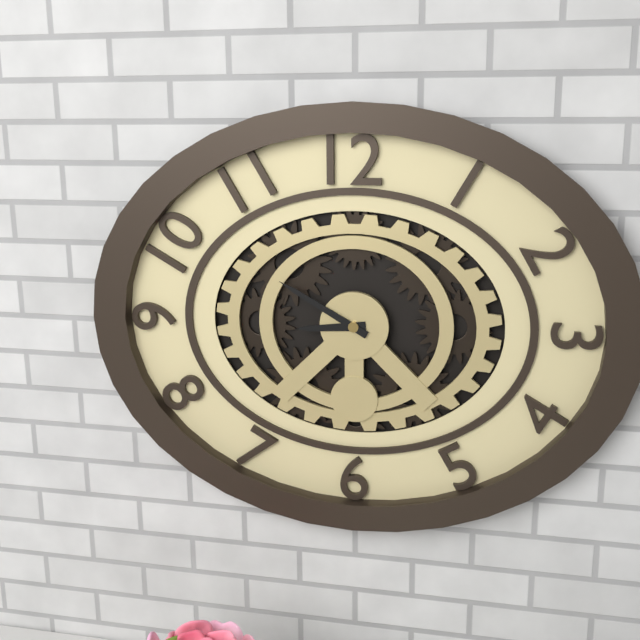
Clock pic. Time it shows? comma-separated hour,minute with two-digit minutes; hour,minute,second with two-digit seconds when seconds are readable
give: 8,50
